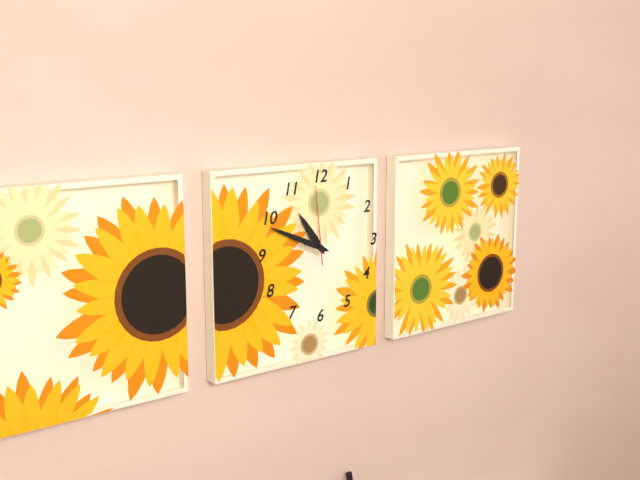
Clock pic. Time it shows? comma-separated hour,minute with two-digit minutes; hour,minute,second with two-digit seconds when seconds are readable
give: 10,49,59
